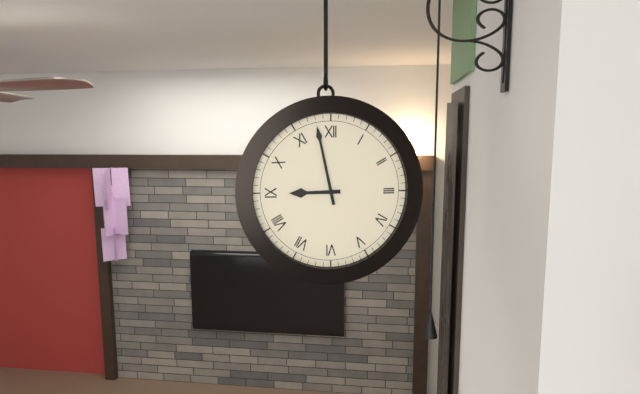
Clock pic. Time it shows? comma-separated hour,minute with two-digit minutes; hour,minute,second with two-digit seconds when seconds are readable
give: 8,58
